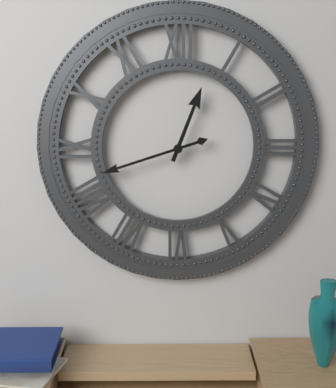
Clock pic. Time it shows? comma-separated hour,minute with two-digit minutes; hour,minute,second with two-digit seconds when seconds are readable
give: 12,42
